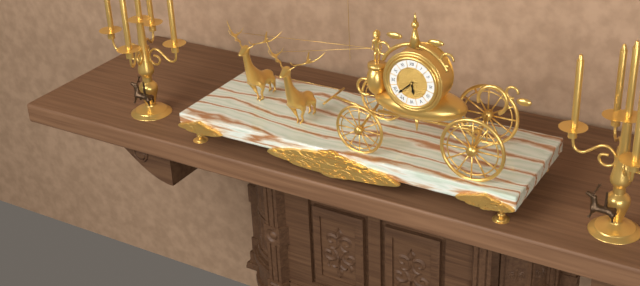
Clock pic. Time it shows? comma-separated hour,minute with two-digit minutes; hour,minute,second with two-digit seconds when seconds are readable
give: 5,38
